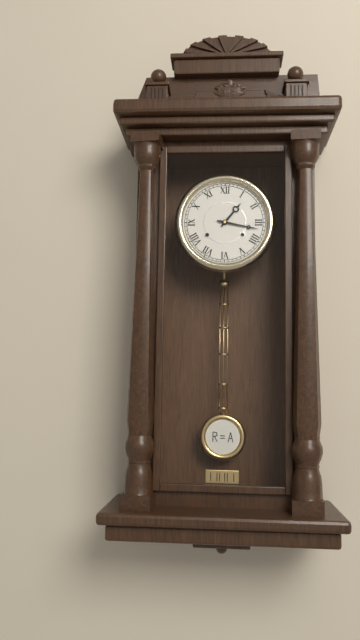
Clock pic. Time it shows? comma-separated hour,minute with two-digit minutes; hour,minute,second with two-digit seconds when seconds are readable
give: 1,17
